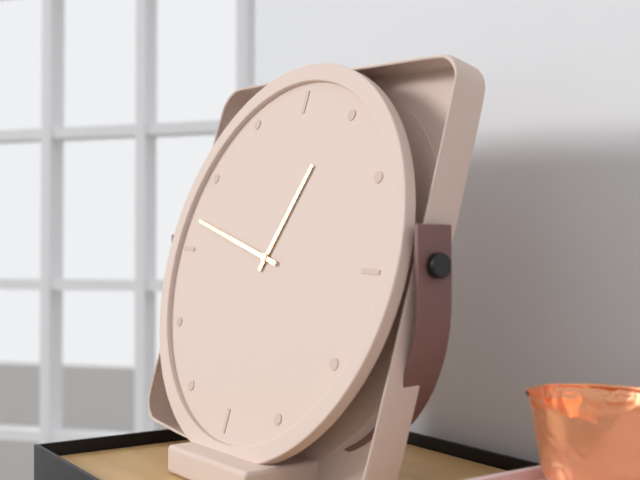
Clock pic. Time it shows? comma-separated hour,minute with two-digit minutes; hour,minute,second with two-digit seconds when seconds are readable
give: 12,47
